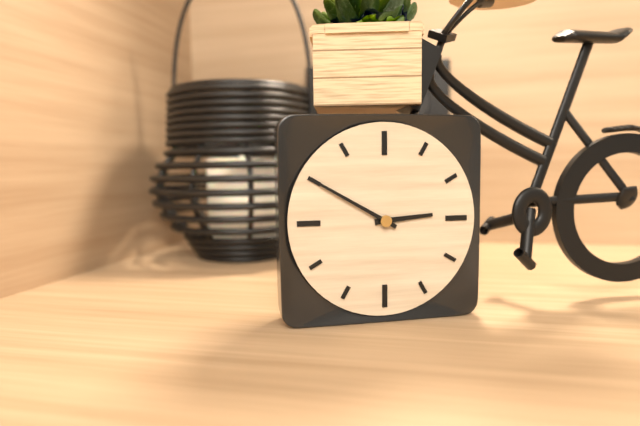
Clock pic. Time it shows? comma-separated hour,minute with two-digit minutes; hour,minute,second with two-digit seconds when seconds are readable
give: 2,50
